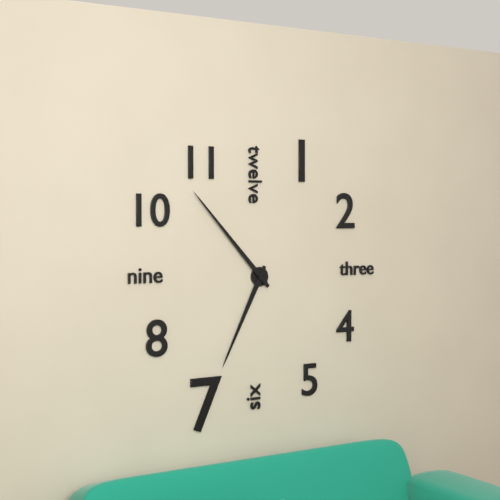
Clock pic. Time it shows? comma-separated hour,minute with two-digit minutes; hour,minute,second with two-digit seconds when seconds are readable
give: 6,53
